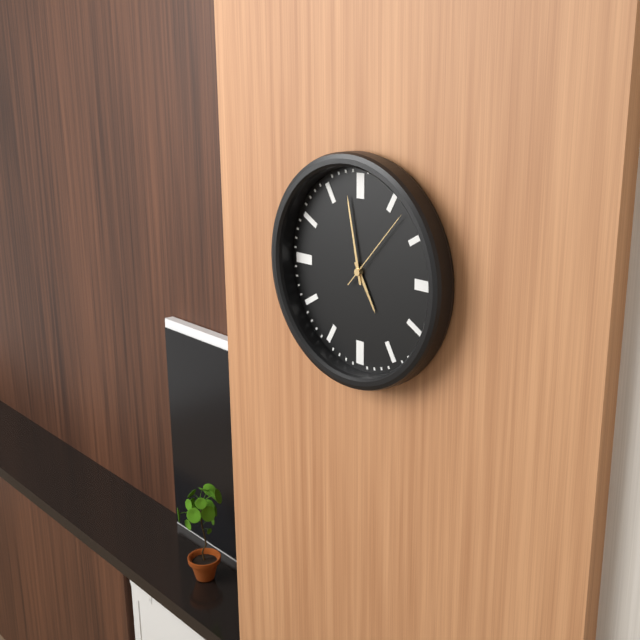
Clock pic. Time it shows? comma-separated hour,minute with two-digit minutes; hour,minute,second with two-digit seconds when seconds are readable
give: 4,58,07
